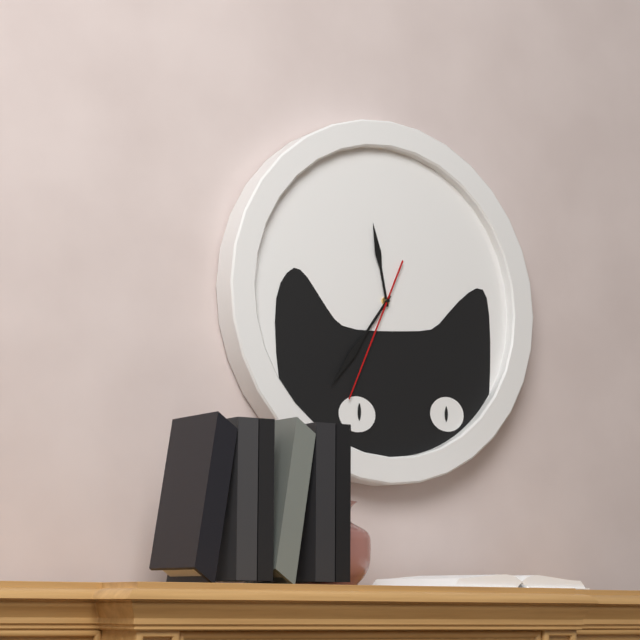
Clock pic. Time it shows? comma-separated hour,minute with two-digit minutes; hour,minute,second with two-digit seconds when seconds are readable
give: 11,36,34
